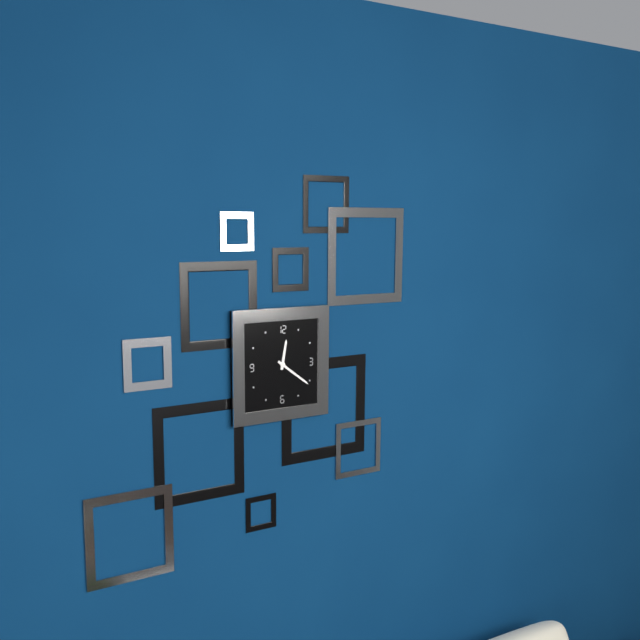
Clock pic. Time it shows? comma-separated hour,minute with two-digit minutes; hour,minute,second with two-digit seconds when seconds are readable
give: 12,21
